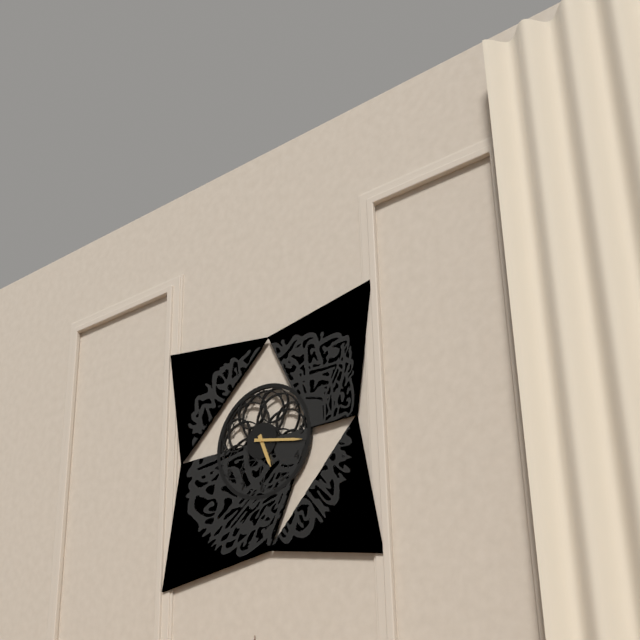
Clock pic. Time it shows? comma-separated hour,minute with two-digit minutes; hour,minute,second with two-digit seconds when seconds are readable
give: 5,17
